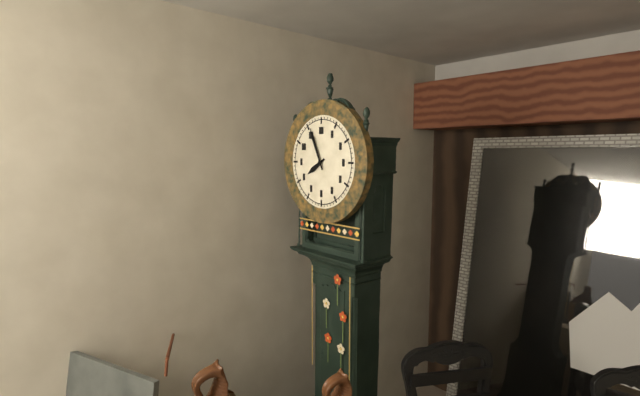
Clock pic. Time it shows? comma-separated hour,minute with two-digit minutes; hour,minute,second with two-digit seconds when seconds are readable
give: 7,56
